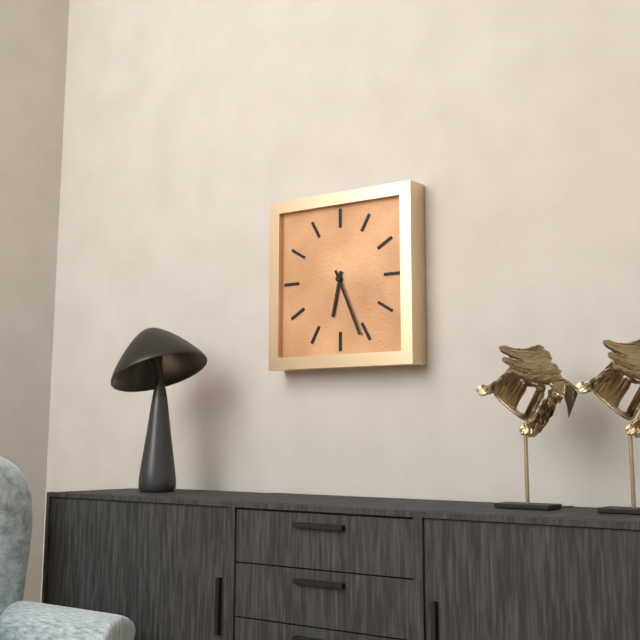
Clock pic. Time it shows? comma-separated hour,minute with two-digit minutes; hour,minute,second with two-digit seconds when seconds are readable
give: 6,26
